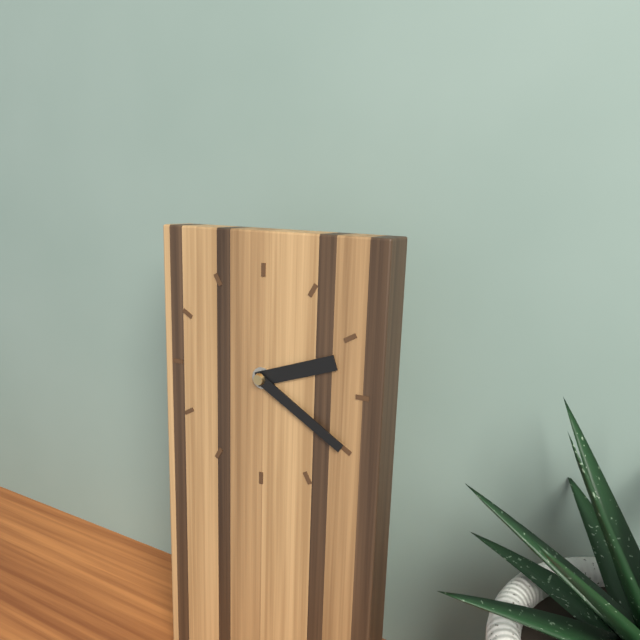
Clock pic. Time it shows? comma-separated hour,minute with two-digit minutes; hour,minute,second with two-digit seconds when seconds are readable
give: 2,20
